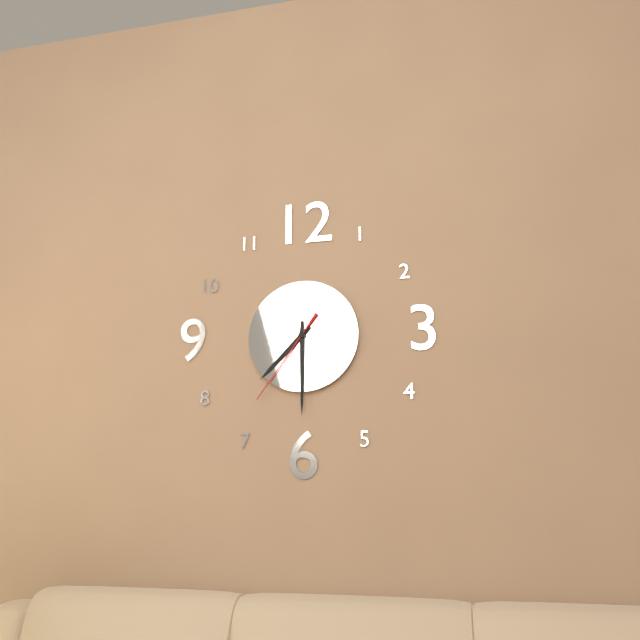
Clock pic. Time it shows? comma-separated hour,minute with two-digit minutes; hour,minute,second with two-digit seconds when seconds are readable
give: 7,30,36
